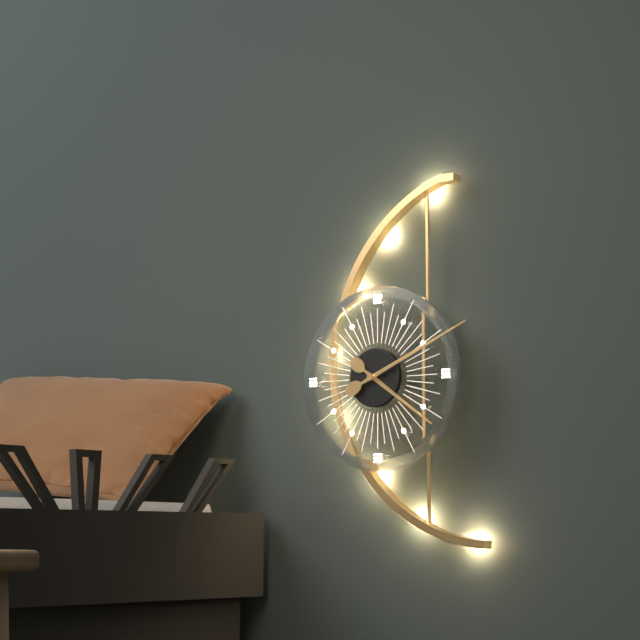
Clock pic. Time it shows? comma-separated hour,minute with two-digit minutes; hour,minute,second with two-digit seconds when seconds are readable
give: 4,11
